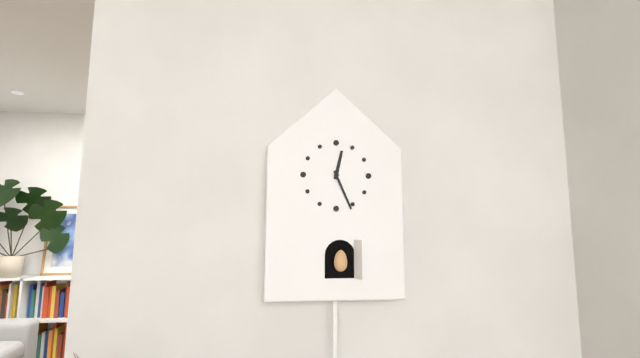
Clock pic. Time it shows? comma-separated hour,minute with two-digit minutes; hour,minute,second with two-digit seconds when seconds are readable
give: 12,26
